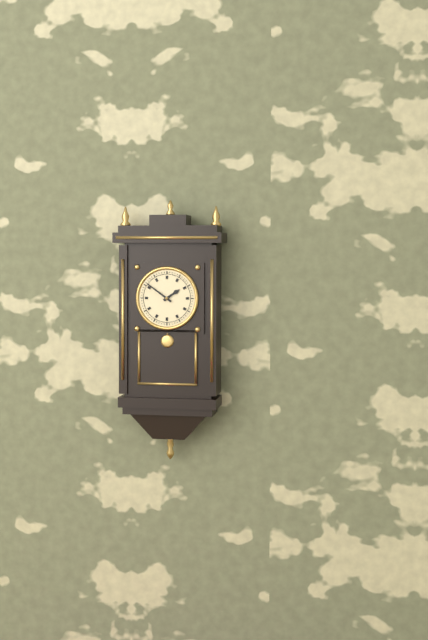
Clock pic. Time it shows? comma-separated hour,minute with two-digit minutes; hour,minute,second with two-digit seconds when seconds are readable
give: 1,51
